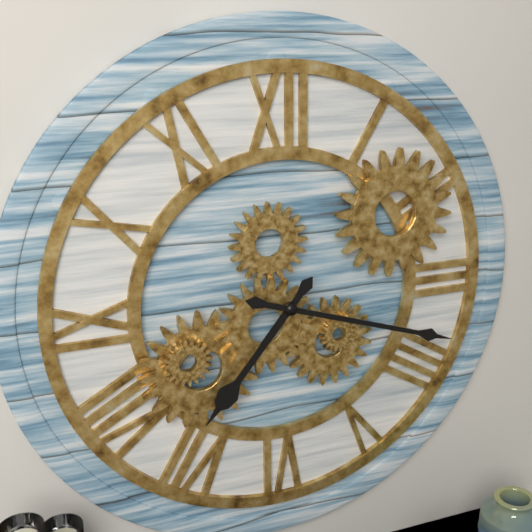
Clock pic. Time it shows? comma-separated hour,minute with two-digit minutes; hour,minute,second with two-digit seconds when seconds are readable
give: 7,18
